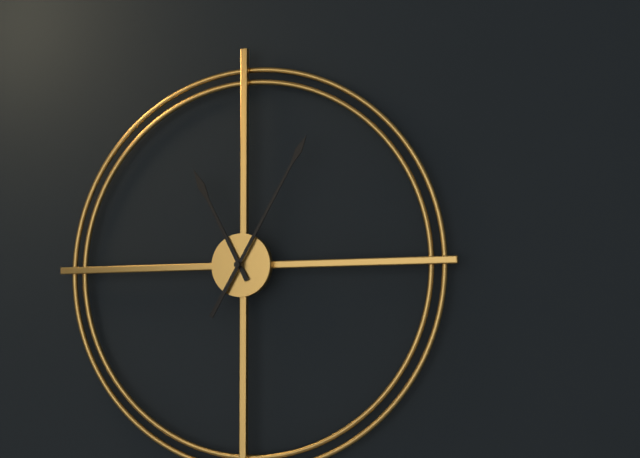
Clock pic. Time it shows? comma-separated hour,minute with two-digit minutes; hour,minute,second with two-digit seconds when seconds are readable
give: 11,05
